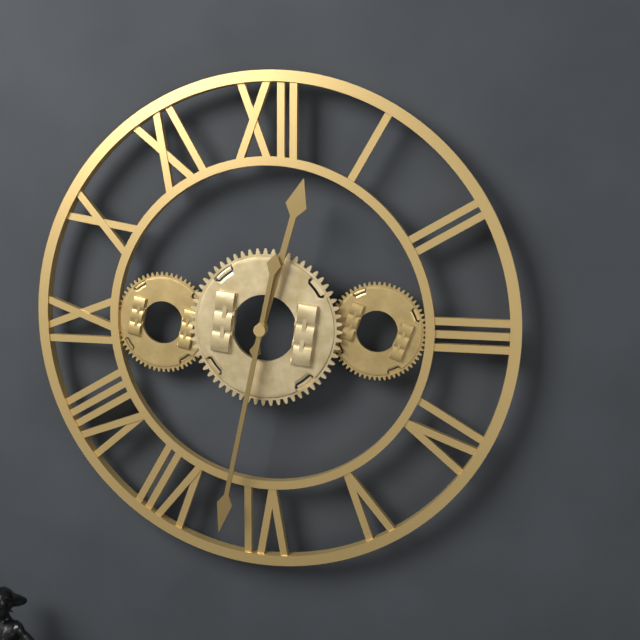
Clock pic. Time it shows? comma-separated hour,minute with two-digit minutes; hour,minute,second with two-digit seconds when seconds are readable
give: 12,32
